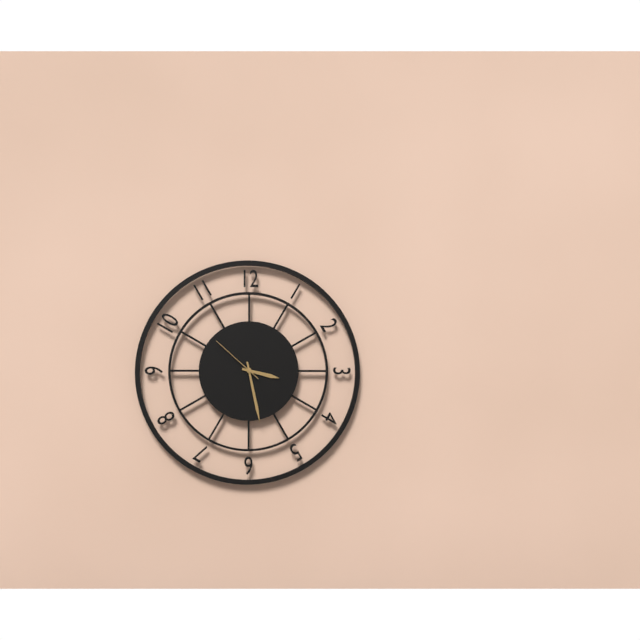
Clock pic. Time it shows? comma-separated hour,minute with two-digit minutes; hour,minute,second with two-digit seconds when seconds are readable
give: 3,28,52
